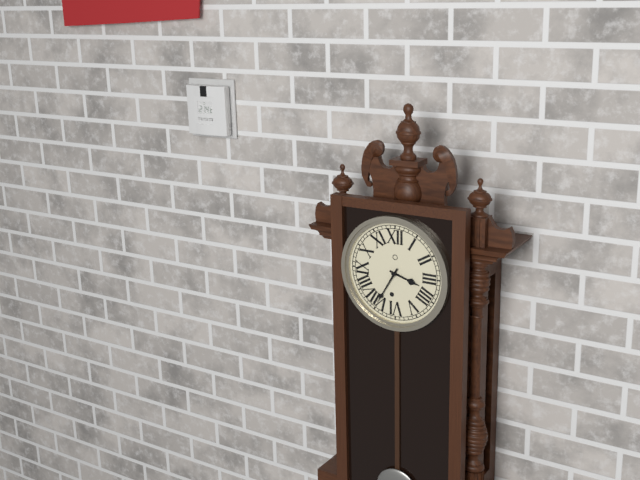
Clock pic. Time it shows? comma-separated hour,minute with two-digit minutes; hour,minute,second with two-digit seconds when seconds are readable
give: 3,35
